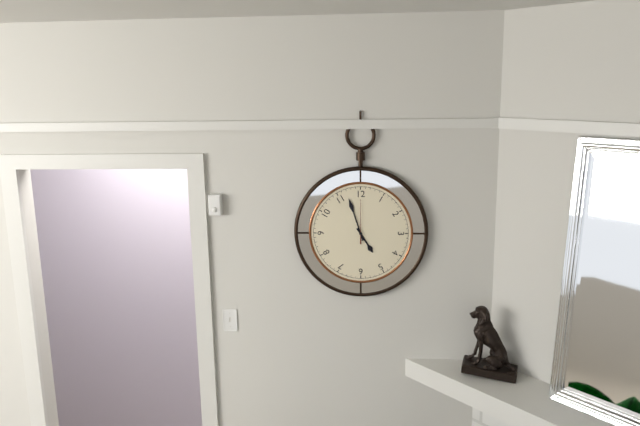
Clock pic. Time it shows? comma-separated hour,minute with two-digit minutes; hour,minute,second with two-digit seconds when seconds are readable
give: 4,57
